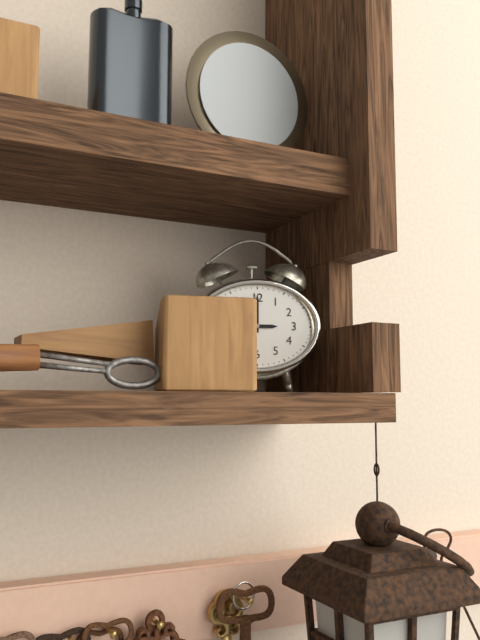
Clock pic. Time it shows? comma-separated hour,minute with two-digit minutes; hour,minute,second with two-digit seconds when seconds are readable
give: 3,00
